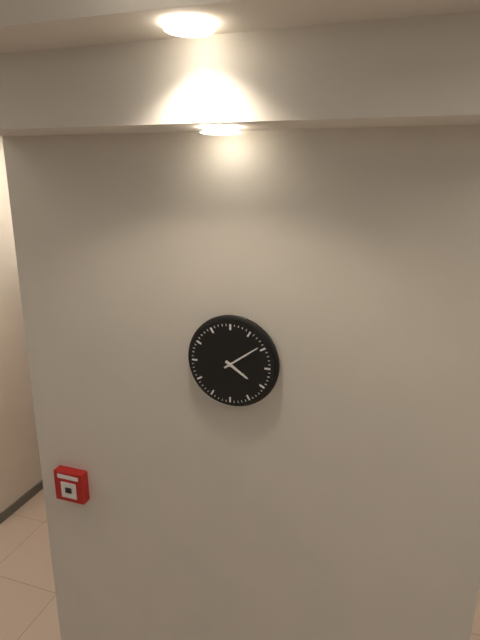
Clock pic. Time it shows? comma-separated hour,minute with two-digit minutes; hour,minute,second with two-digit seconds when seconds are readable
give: 4,09
